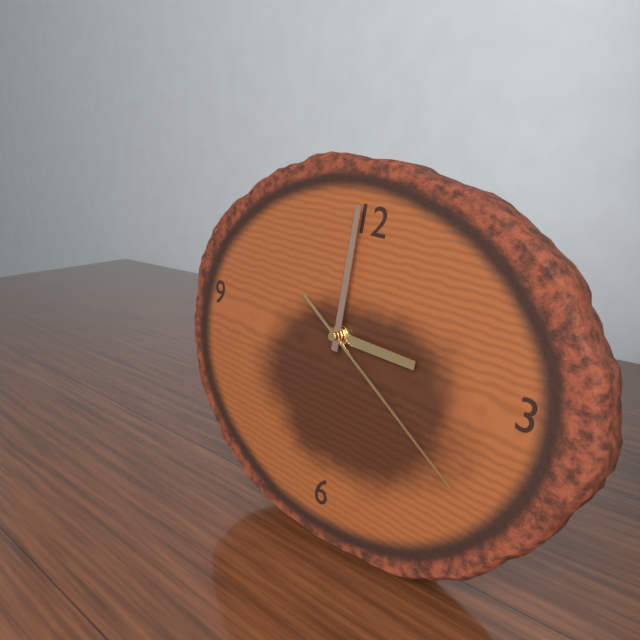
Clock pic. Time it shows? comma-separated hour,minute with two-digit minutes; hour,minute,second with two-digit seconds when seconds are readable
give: 3,00,20
